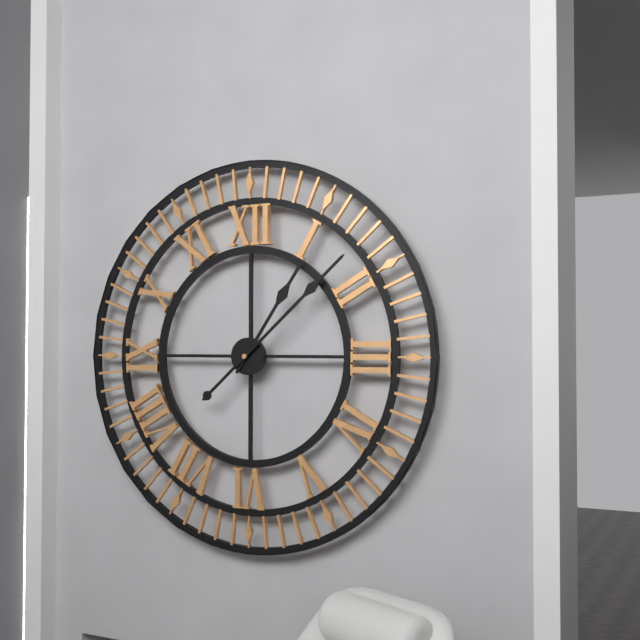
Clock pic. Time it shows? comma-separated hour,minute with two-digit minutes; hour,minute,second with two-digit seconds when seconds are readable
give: 1,08
